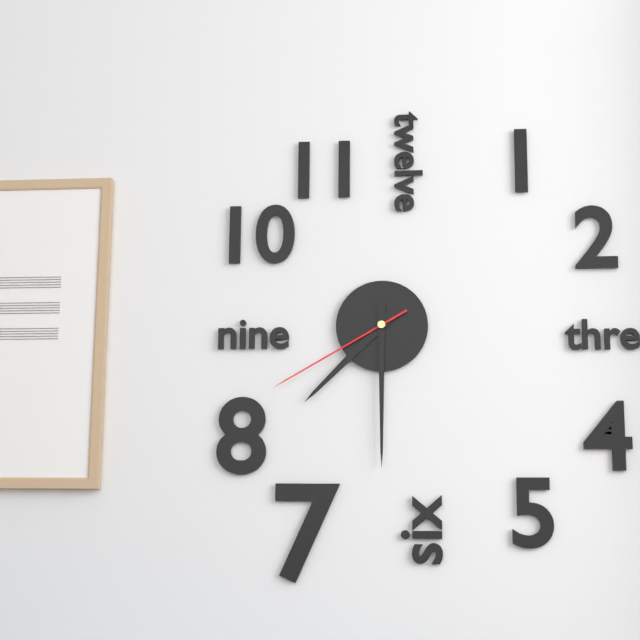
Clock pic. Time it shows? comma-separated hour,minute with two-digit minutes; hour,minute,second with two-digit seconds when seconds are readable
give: 7,30,40
